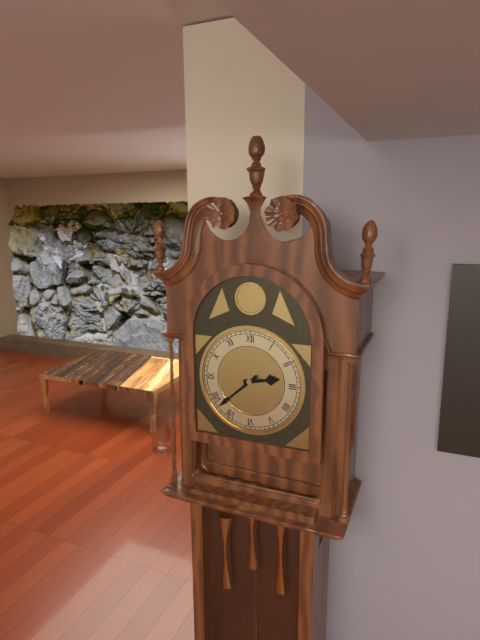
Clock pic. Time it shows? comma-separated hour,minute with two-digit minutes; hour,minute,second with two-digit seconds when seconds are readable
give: 2,38
